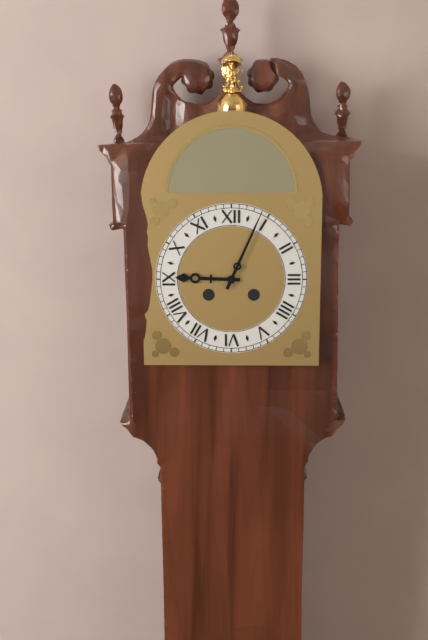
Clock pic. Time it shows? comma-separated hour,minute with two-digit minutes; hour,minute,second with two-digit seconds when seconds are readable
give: 9,04
